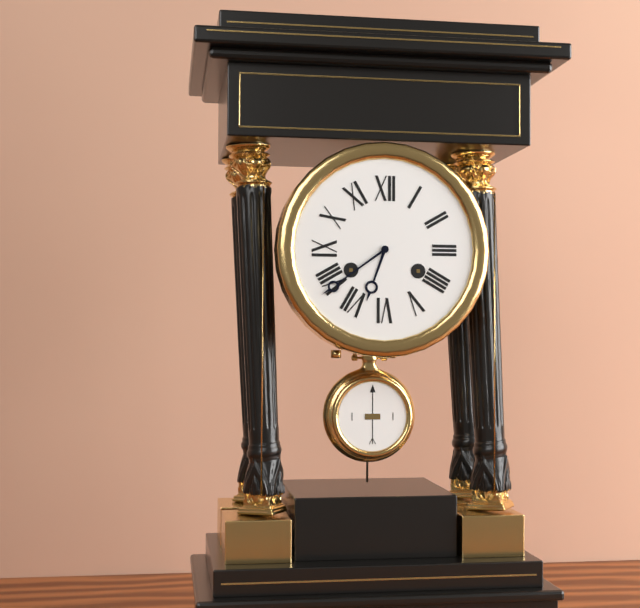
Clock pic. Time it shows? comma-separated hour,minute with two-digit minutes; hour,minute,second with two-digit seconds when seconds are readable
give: 6,39
